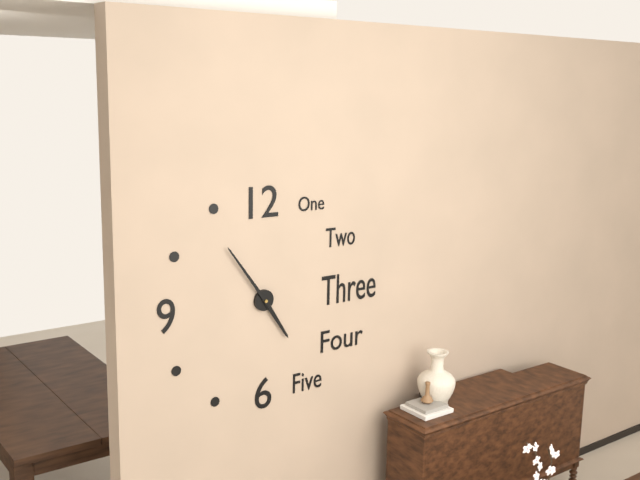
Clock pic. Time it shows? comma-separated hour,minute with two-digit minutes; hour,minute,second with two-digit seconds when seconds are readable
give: 4,54
